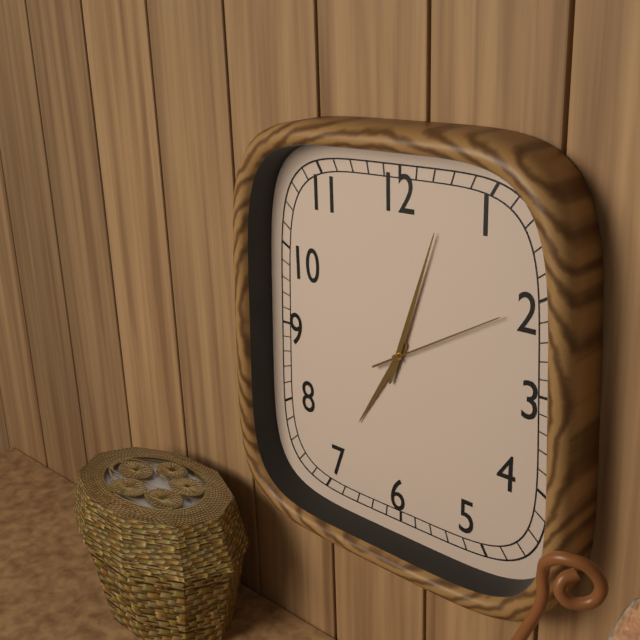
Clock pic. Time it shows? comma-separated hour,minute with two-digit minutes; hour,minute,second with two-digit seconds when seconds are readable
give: 7,03,10
